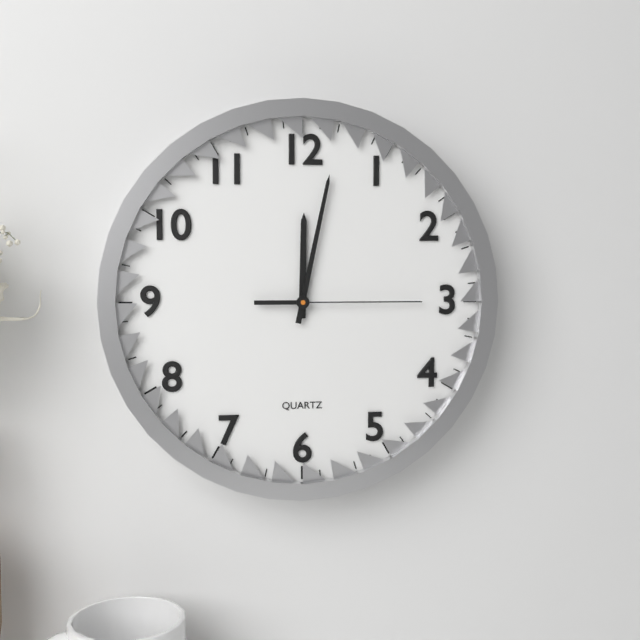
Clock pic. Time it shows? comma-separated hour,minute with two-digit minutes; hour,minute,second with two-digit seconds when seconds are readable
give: 12,02,15
